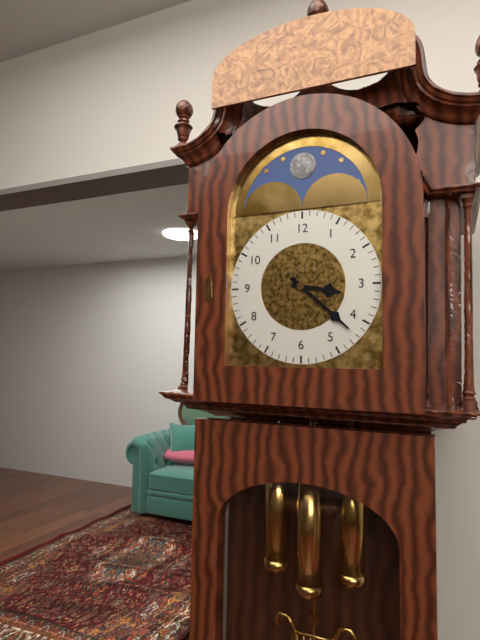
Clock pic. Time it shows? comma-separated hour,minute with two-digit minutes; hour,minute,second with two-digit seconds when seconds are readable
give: 3,22
